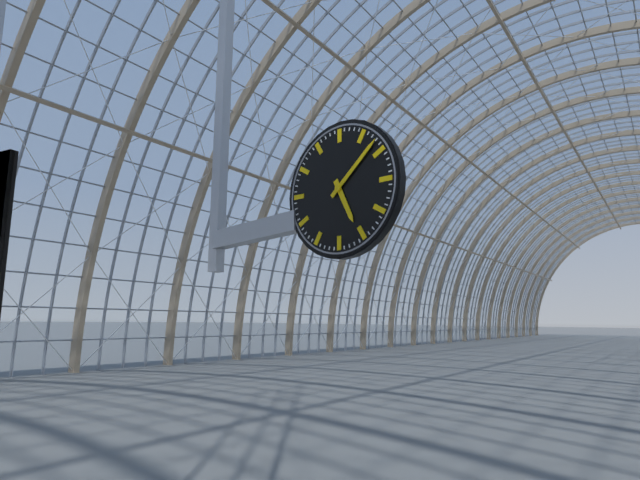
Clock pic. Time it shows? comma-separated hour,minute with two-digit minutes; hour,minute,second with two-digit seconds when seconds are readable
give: 5,08
